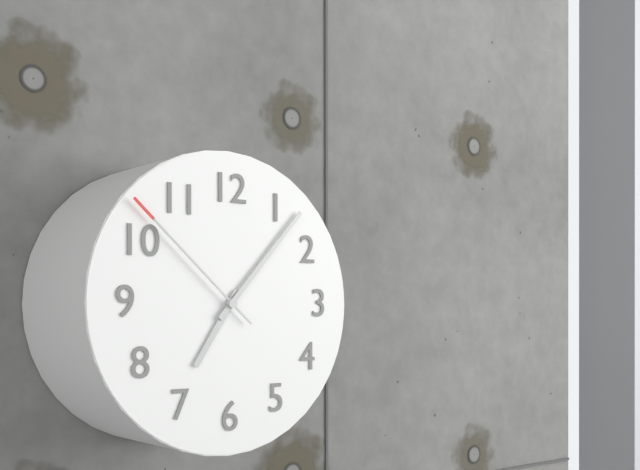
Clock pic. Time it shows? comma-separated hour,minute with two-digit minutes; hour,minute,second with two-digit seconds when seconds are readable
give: 7,07,52
